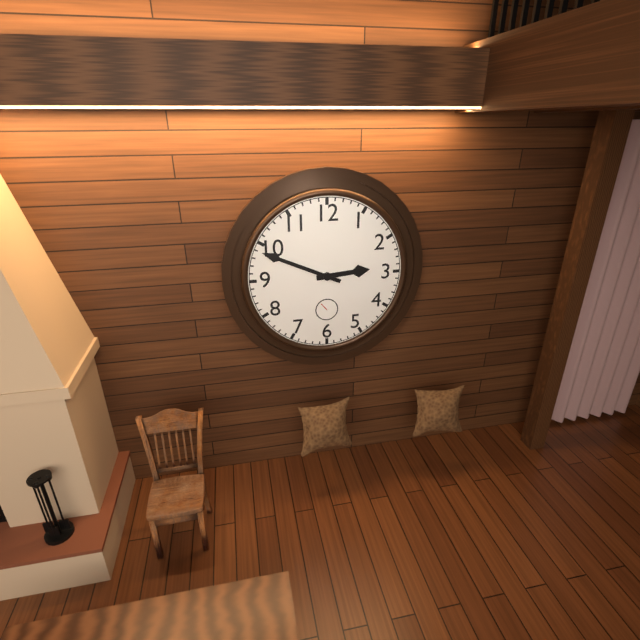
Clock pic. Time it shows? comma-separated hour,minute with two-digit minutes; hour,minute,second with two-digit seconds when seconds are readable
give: 2,49
